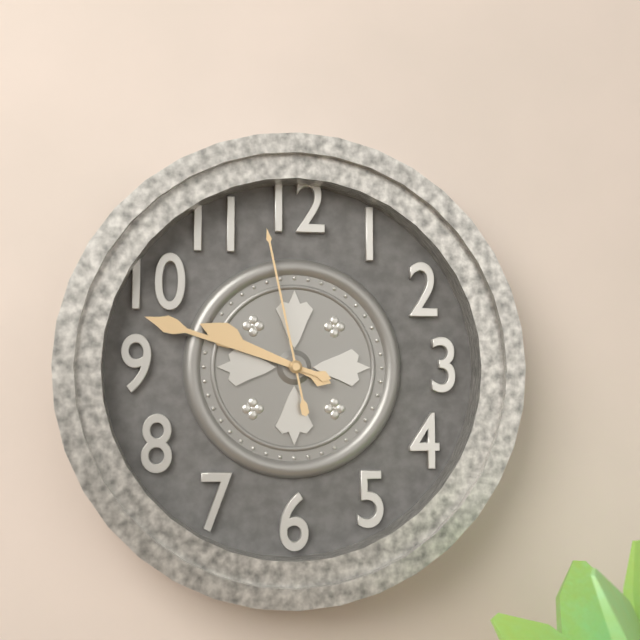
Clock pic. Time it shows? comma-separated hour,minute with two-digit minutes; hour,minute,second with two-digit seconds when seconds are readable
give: 9,48,58
